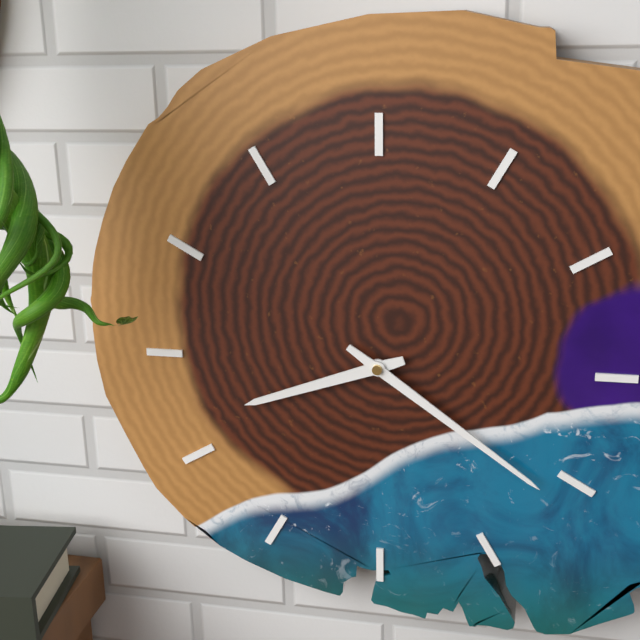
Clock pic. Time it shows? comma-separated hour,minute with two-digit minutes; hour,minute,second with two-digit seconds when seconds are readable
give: 8,21
